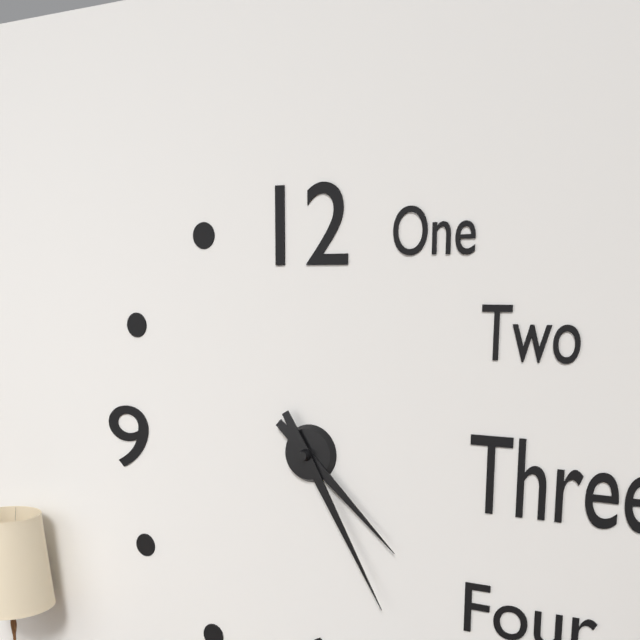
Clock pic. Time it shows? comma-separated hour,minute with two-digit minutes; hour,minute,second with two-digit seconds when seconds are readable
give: 4,25
